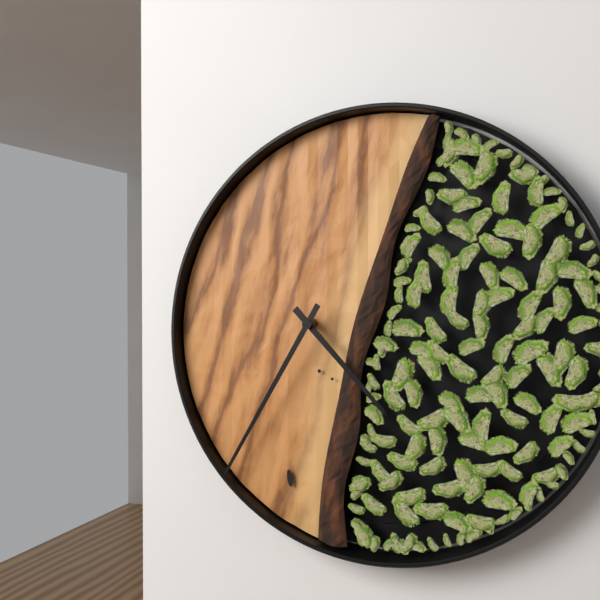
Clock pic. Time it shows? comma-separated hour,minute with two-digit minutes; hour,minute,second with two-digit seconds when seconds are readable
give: 4,35
